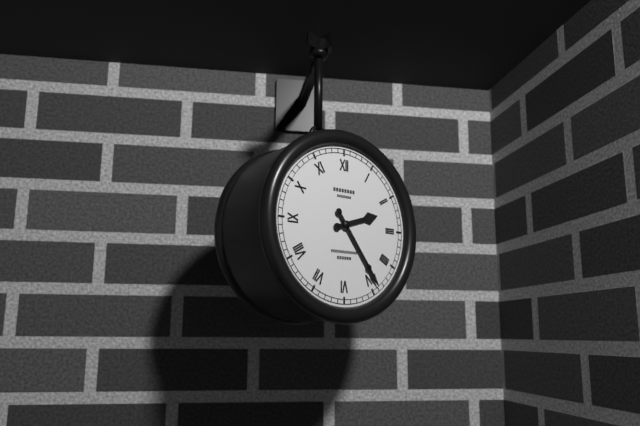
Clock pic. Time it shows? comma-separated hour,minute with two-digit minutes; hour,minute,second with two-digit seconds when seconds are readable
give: 2,24
